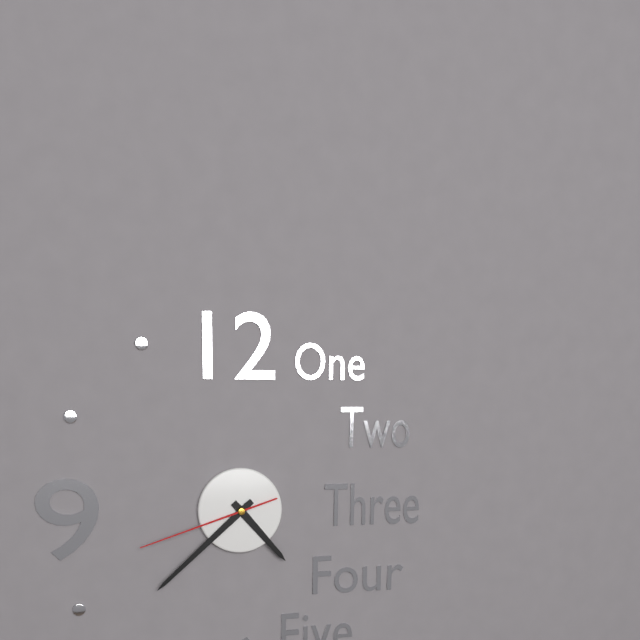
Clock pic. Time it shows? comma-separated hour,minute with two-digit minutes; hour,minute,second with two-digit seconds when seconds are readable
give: 4,38,42
